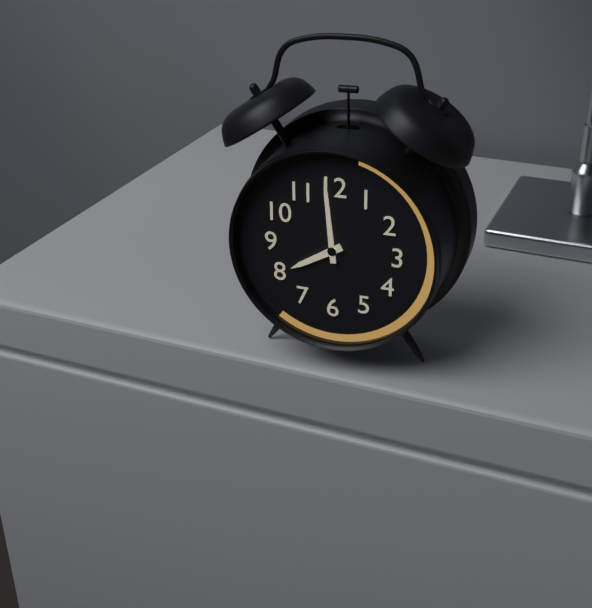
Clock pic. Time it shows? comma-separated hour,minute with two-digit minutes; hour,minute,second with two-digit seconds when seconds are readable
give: 7,59
